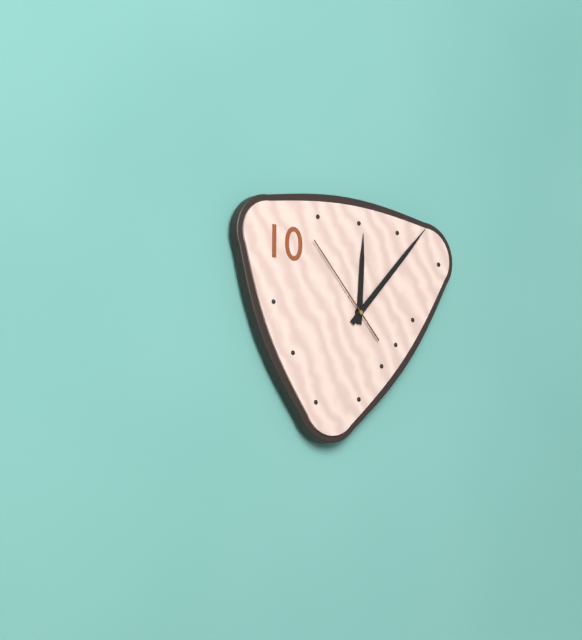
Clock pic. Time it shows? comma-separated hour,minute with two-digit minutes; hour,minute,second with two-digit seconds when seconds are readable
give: 12,07,53
